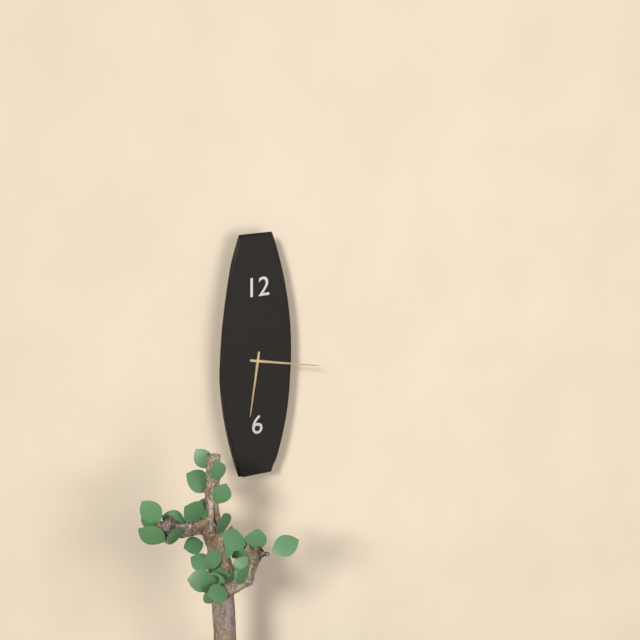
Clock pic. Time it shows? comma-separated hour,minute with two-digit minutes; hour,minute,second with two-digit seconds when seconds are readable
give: 6,17
